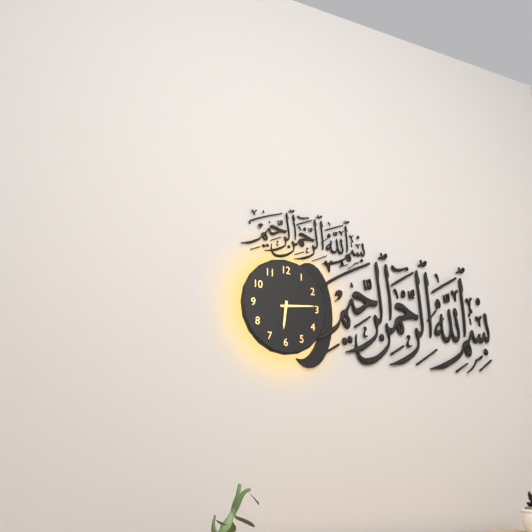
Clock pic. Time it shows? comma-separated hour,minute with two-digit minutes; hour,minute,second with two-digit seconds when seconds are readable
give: 6,14
